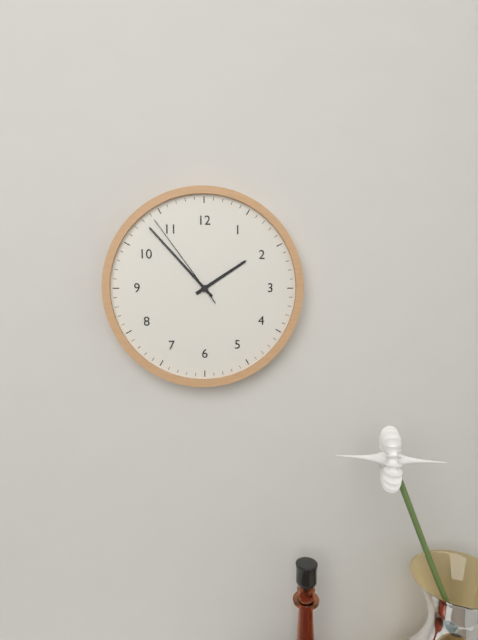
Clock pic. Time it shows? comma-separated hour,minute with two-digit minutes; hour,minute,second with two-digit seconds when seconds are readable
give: 1,53,54
